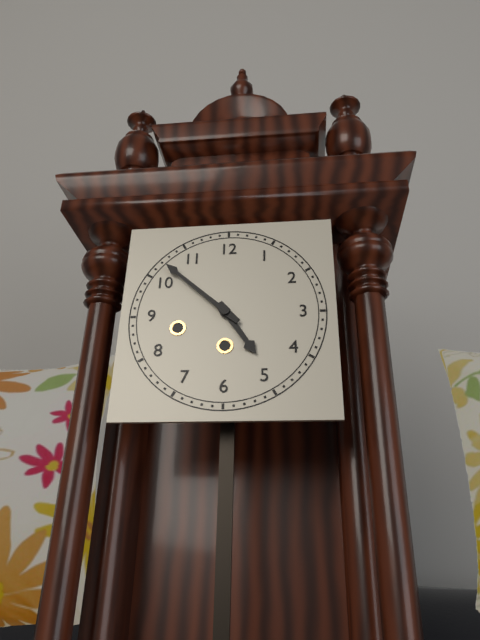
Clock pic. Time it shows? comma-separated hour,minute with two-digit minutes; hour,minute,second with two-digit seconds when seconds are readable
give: 4,52
